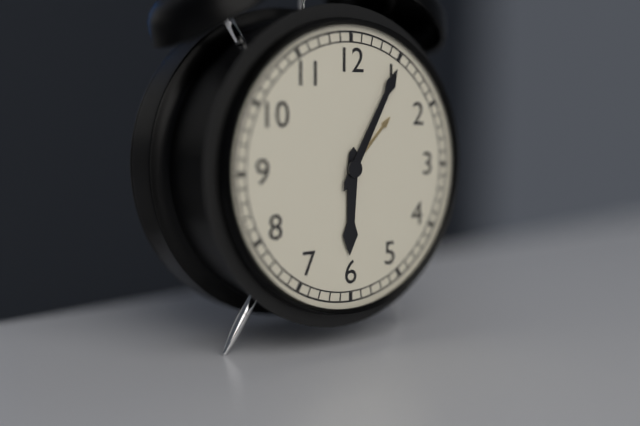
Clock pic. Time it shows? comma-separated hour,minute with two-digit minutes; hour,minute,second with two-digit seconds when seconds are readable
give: 6,05
